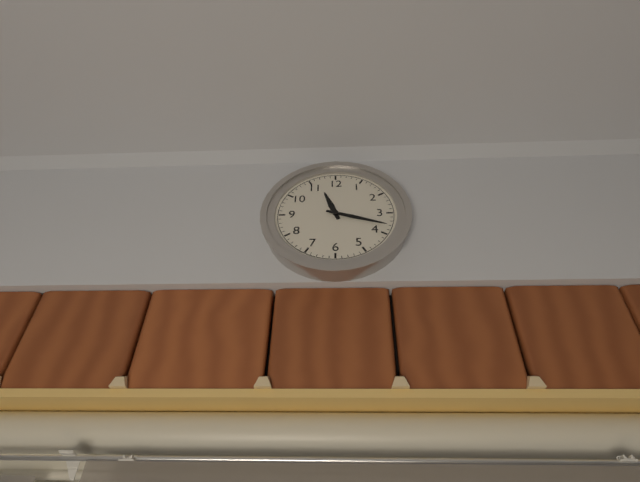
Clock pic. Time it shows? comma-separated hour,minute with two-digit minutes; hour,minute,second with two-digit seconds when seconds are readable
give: 11,18
